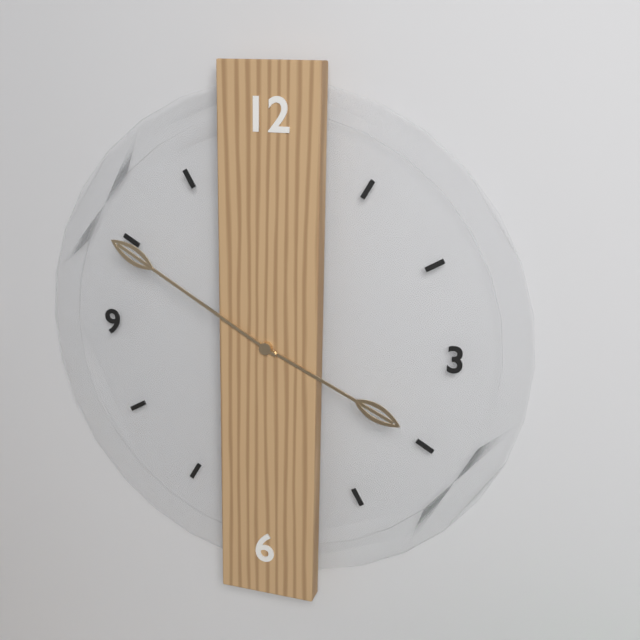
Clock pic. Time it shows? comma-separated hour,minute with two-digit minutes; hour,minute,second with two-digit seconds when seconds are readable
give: 3,50
